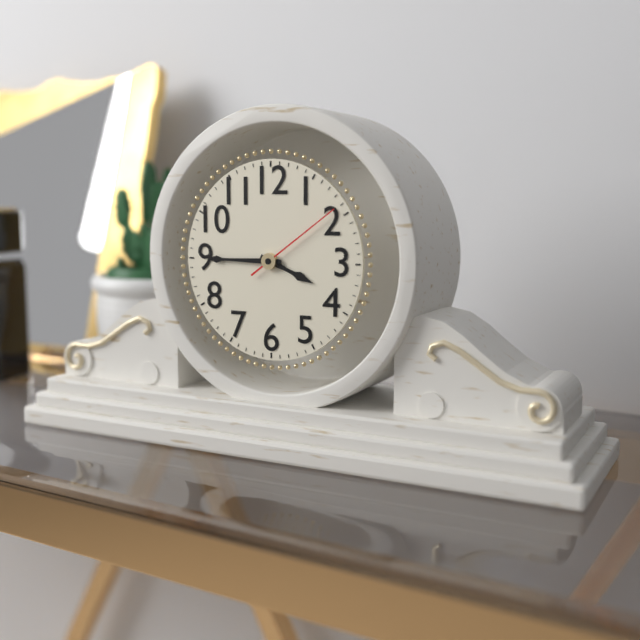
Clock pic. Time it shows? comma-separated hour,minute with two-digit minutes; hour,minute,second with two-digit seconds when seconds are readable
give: 3,45,09
